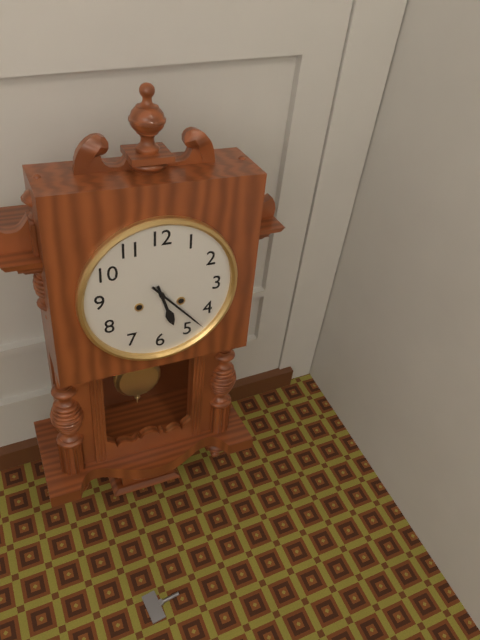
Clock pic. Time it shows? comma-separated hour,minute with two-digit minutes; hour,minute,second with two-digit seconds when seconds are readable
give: 5,23
